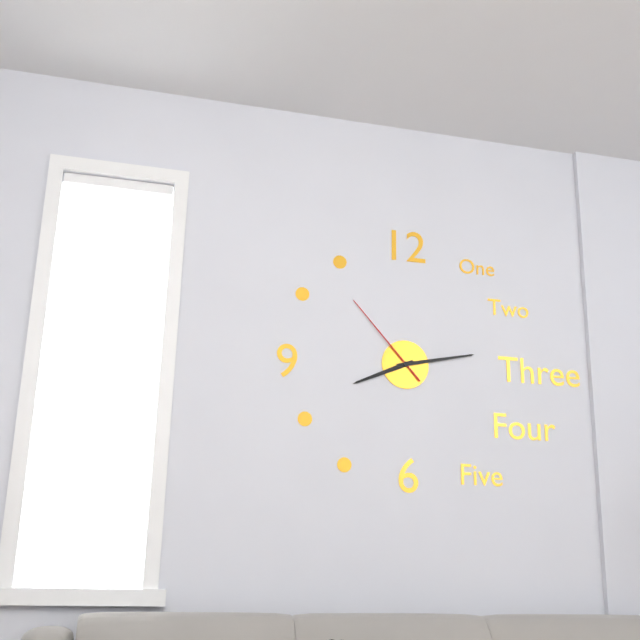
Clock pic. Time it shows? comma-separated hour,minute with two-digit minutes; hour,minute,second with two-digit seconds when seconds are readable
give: 8,13,53
